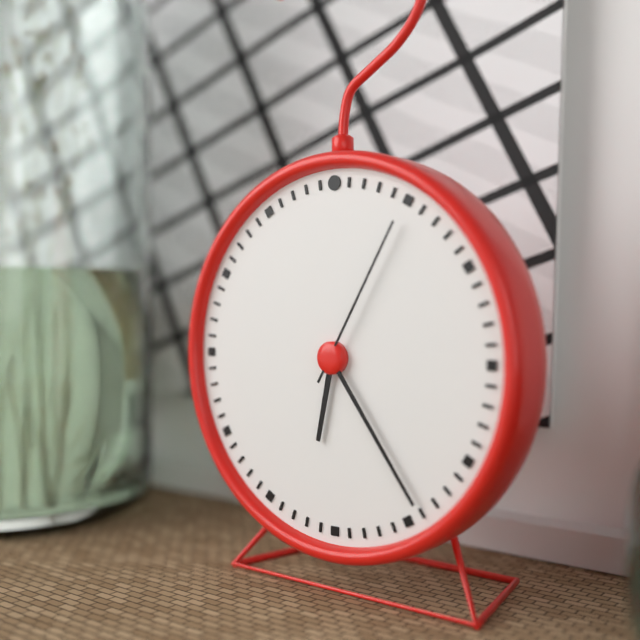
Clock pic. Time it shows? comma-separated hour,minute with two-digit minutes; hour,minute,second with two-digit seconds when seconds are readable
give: 6,24,05
